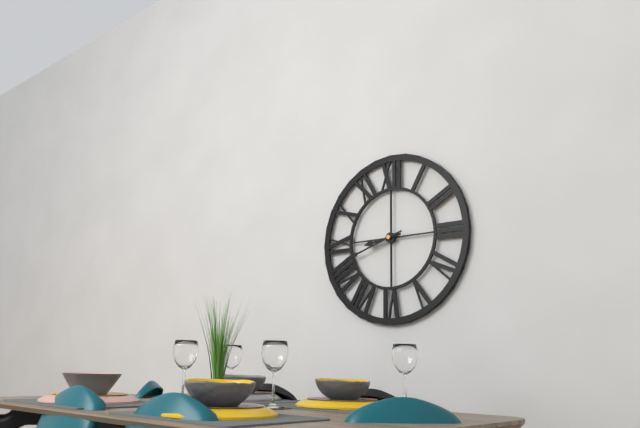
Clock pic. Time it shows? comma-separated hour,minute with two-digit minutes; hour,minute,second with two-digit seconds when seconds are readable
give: 8,42
